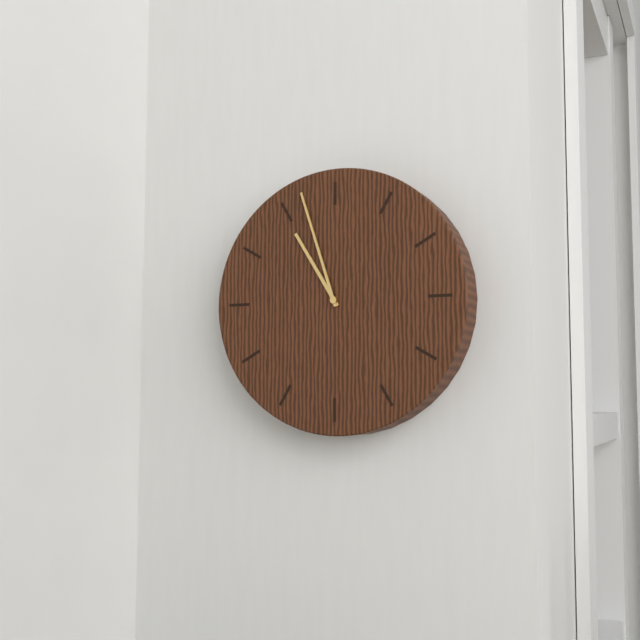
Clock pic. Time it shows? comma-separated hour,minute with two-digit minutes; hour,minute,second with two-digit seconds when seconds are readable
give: 10,57
